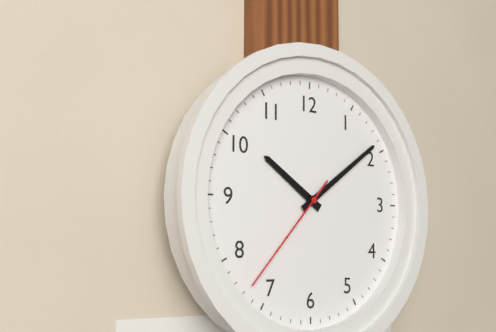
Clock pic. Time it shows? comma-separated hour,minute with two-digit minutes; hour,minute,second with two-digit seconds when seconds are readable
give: 10,09,37
